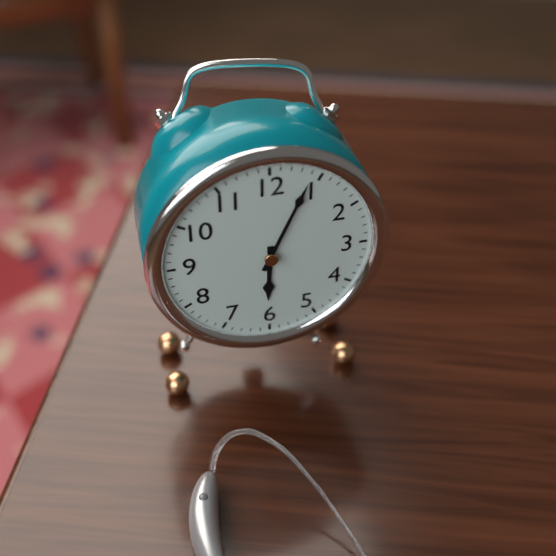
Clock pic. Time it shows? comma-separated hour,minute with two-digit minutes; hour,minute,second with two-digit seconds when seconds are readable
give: 6,04
